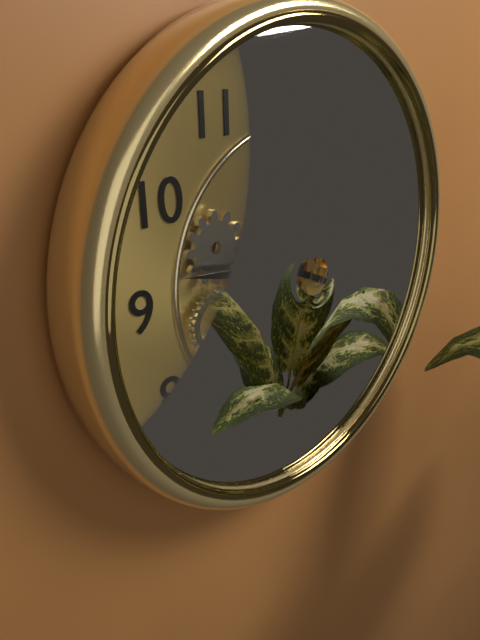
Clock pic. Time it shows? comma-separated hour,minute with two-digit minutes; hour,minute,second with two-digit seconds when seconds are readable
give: 9,19
